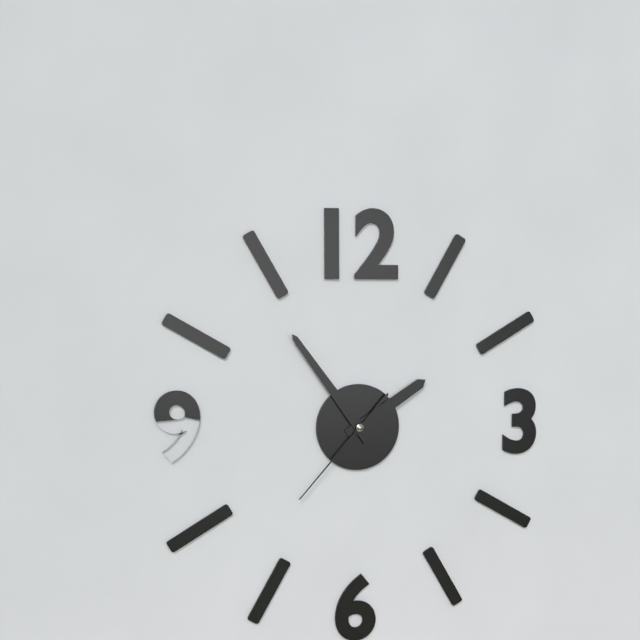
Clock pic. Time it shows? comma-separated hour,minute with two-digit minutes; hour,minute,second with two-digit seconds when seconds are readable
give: 1,54,37
